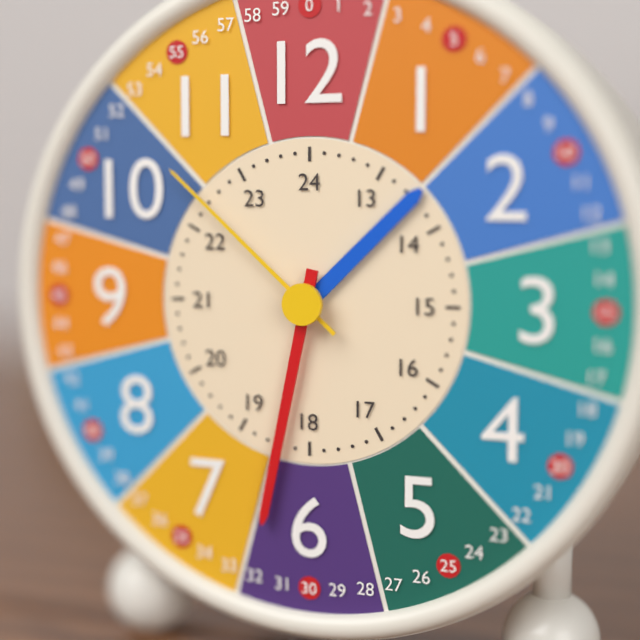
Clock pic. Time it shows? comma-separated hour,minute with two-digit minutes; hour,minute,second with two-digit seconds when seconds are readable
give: 1,32,52
